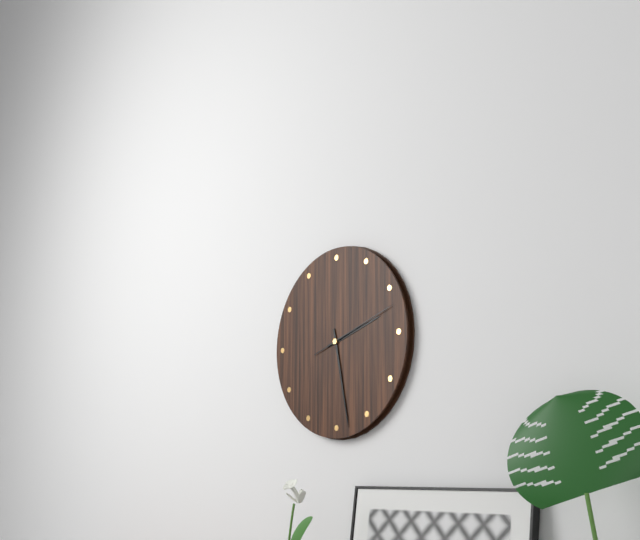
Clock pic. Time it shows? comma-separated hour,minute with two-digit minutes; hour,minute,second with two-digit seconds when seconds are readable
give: 2,28,12
